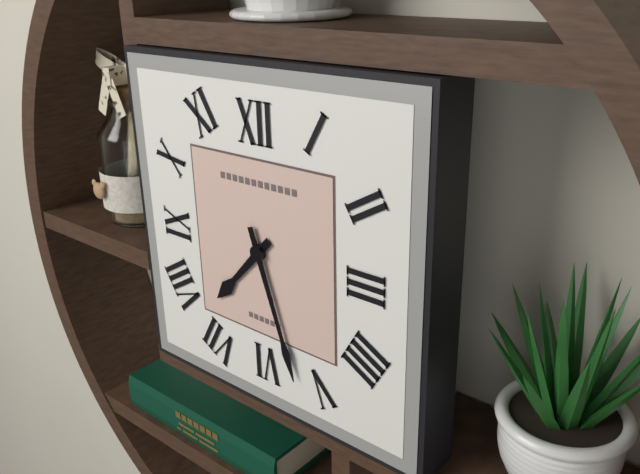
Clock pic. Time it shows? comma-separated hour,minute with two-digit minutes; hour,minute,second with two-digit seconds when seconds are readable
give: 7,27
